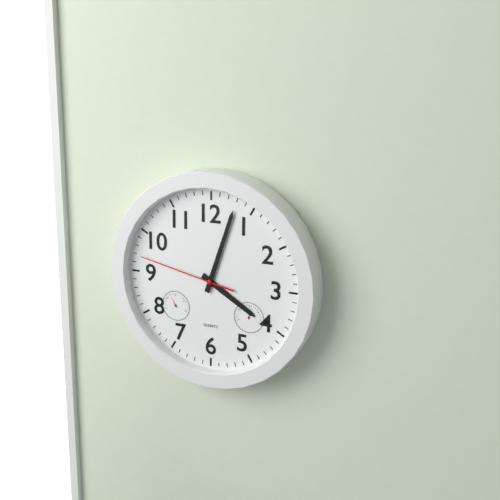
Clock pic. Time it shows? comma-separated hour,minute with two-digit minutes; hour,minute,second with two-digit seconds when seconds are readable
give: 4,03,47
